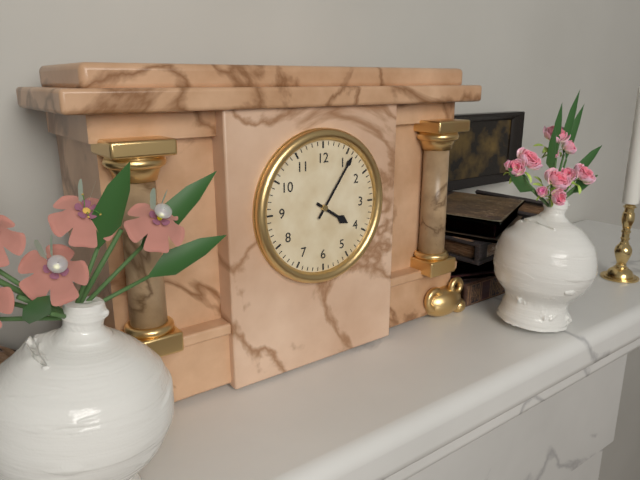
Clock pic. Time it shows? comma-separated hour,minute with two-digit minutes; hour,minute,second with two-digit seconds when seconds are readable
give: 4,06
